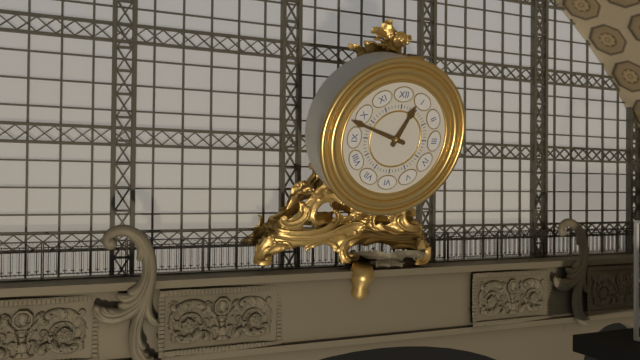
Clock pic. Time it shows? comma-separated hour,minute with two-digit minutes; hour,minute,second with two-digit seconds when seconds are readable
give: 12,48
